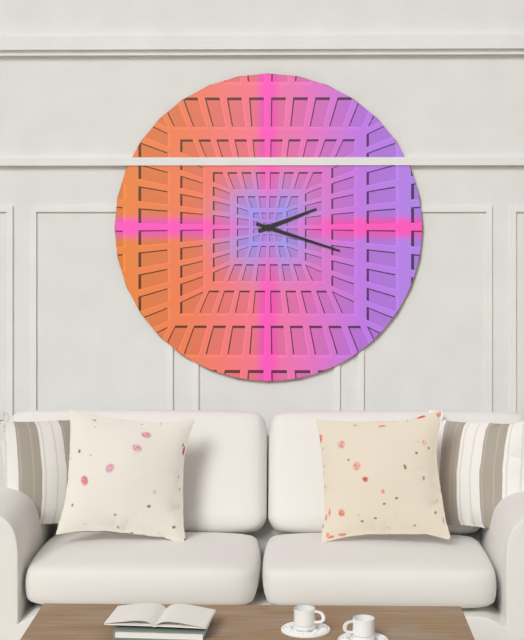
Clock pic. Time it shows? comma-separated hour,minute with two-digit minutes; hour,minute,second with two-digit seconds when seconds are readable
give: 2,18
